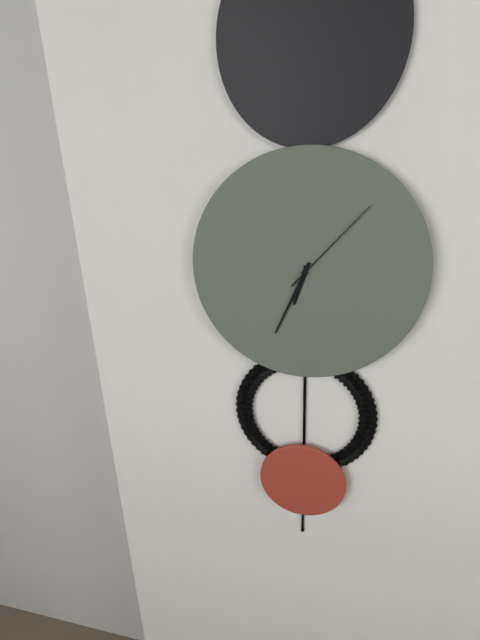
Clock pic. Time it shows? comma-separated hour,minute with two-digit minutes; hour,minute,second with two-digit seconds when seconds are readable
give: 6,34,07
